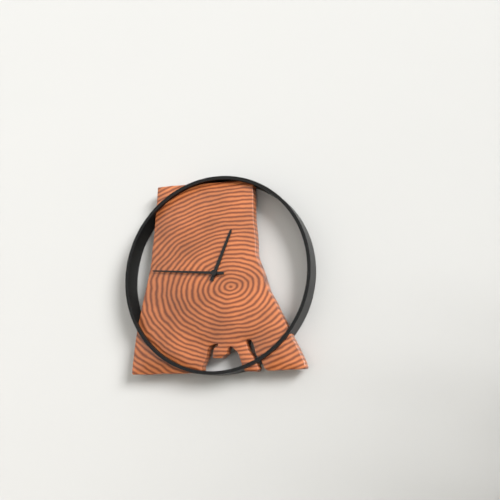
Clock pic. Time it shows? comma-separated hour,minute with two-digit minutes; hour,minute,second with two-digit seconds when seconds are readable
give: 12,46
